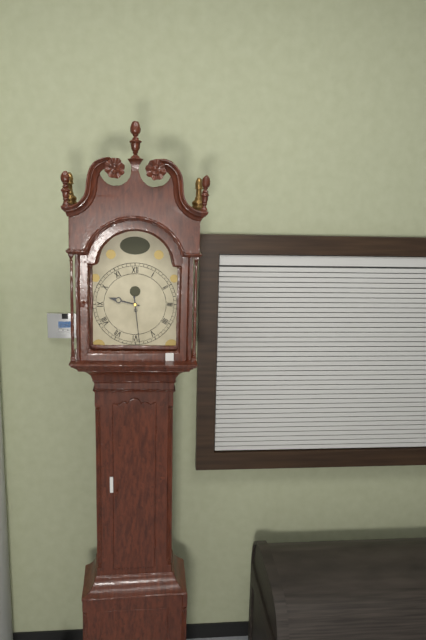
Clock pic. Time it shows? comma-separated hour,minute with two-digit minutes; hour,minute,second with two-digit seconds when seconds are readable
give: 9,29
